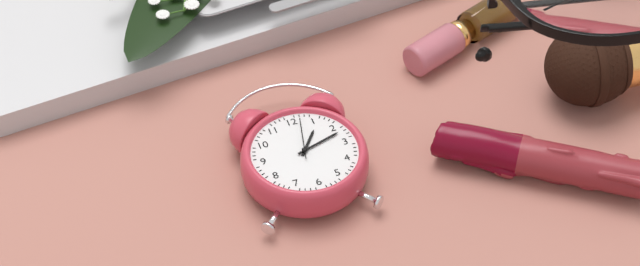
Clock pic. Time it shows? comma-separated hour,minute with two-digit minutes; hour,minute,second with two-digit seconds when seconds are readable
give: 1,12,02
